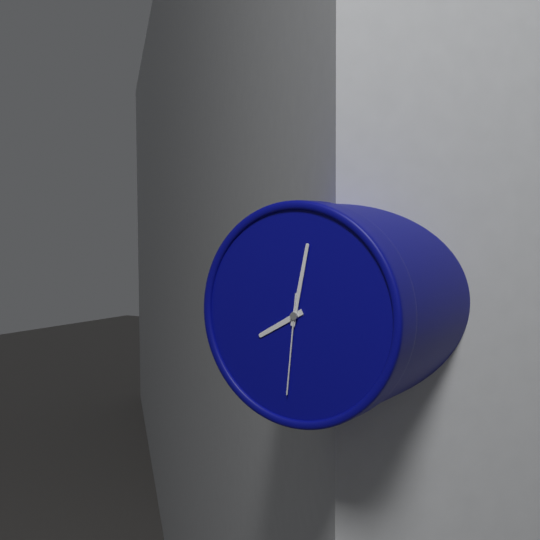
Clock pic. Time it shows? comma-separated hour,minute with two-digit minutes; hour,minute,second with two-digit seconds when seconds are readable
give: 8,02,31
